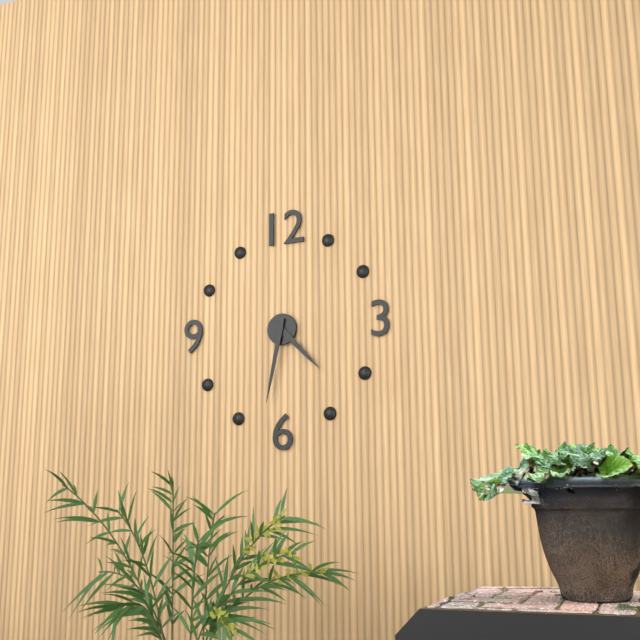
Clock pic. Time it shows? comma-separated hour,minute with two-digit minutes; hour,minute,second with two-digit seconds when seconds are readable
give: 4,32
